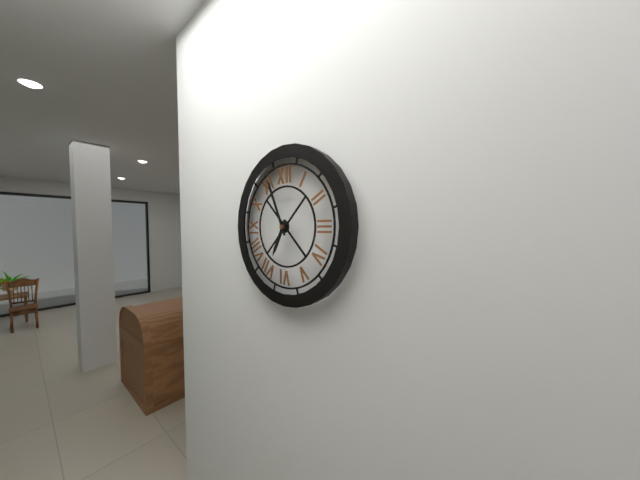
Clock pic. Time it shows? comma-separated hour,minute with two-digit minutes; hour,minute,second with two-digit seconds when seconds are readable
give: 6,56
